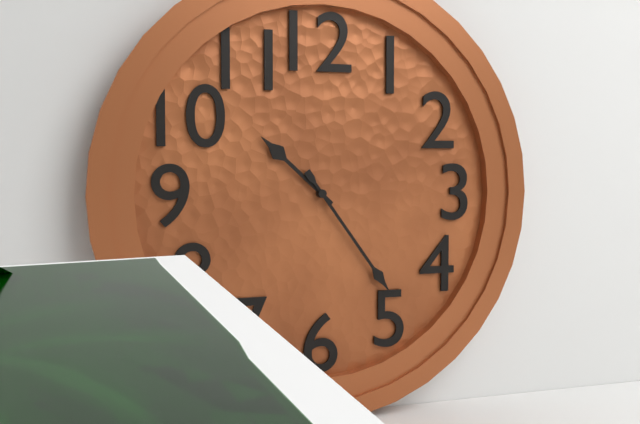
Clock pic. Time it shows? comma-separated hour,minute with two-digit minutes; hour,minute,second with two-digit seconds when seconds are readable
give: 10,24
